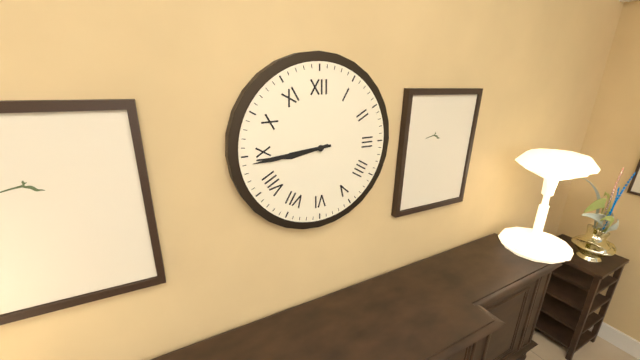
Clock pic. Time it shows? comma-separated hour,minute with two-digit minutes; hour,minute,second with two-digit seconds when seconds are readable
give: 8,44
